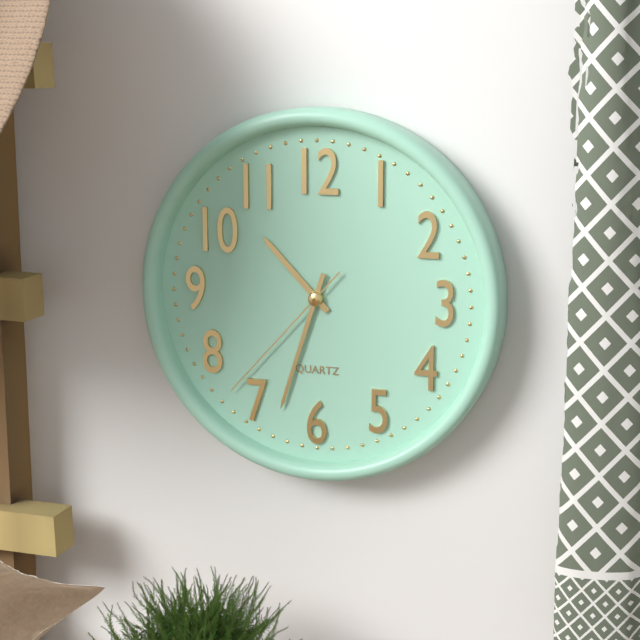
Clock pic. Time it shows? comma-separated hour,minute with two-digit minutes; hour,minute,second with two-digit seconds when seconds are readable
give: 10,33,37
